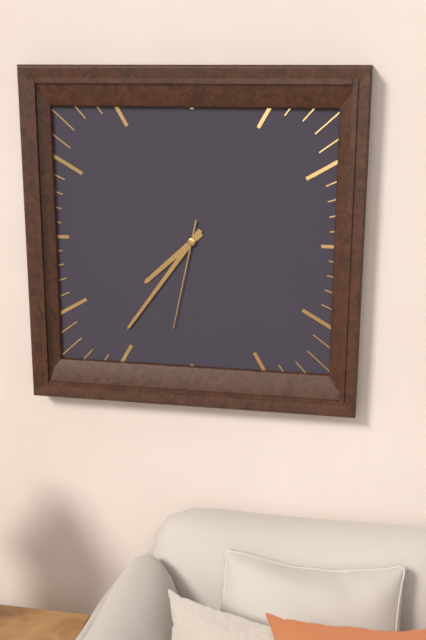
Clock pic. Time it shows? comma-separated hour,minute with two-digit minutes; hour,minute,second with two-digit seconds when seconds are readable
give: 7,36,32
